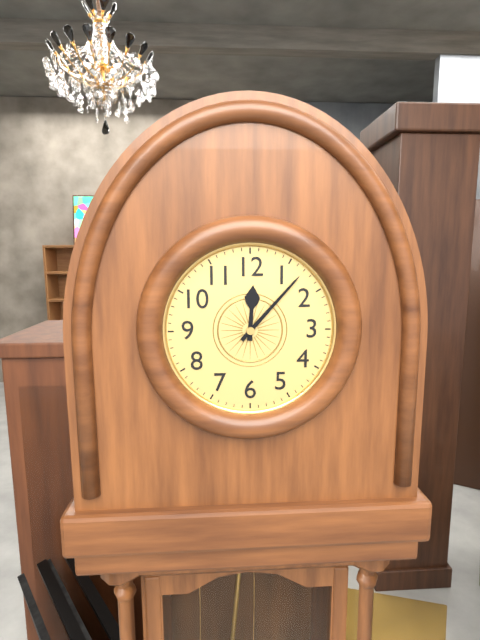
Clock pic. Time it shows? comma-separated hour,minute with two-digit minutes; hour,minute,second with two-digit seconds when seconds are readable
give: 12,07
